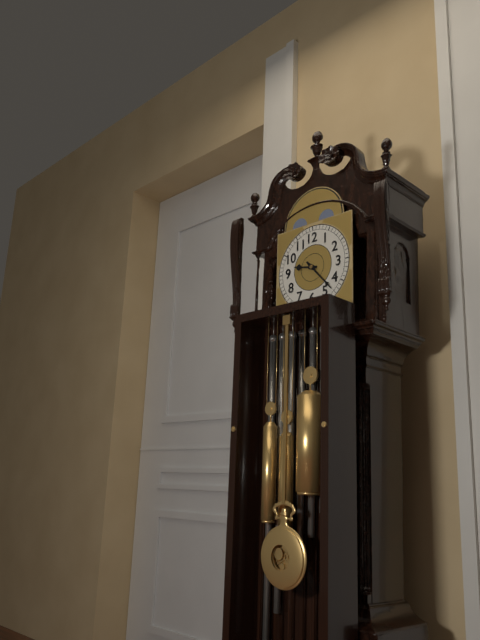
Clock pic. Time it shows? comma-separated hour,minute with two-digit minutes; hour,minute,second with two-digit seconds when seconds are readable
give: 9,23
